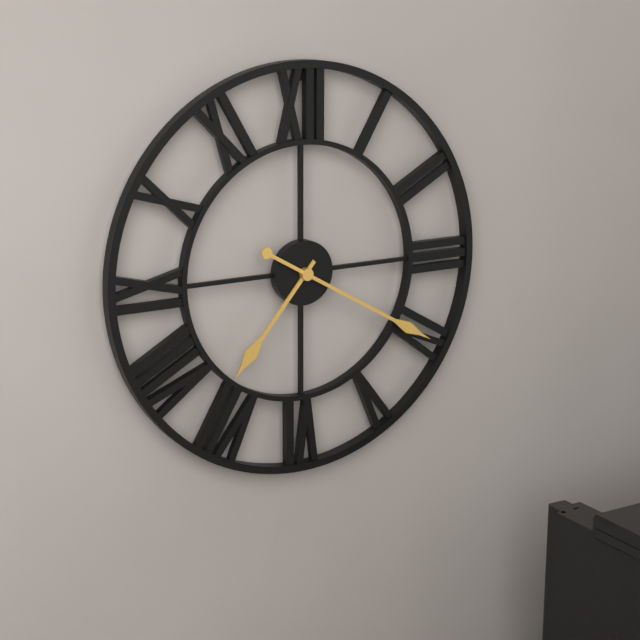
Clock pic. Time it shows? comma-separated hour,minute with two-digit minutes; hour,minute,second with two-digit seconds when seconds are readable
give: 7,20
